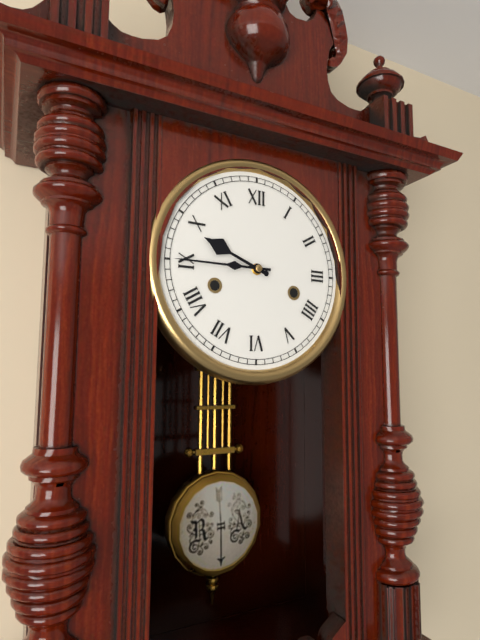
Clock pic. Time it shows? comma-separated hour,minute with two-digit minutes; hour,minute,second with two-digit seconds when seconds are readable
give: 9,45
